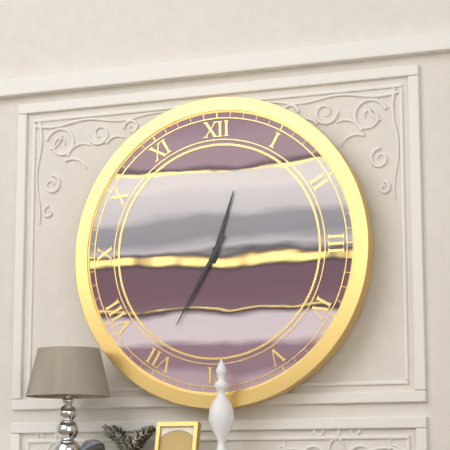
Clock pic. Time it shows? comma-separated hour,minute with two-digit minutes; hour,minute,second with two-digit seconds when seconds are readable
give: 12,35
